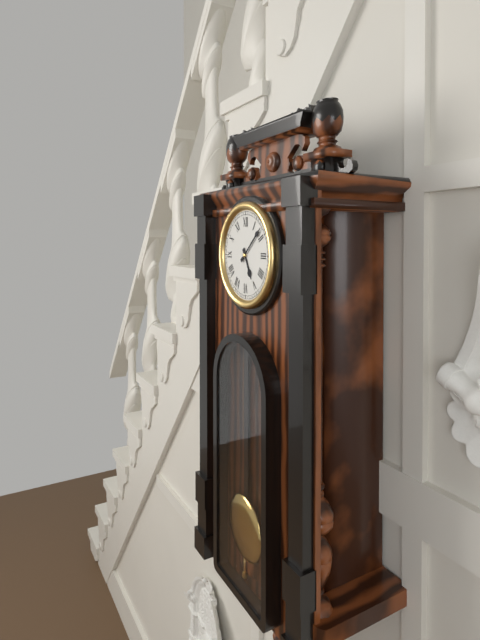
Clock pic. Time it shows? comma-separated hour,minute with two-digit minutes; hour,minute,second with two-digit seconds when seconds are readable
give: 5,08
